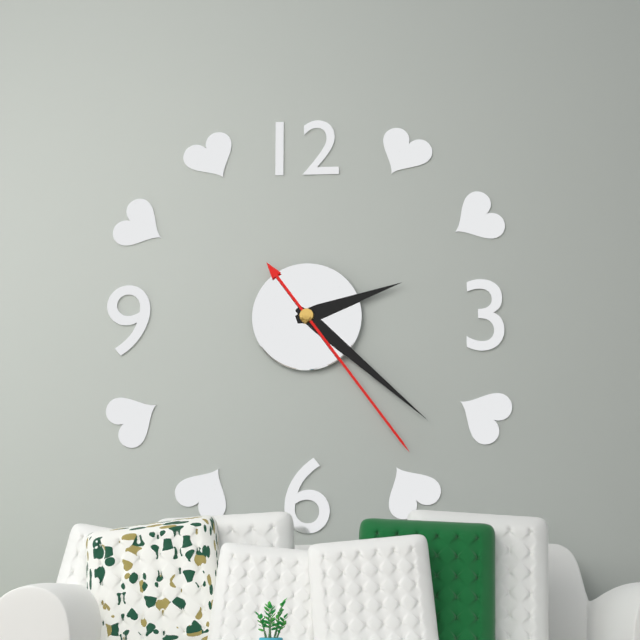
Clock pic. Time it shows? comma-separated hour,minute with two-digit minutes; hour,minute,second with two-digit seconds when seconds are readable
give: 2,22,24
